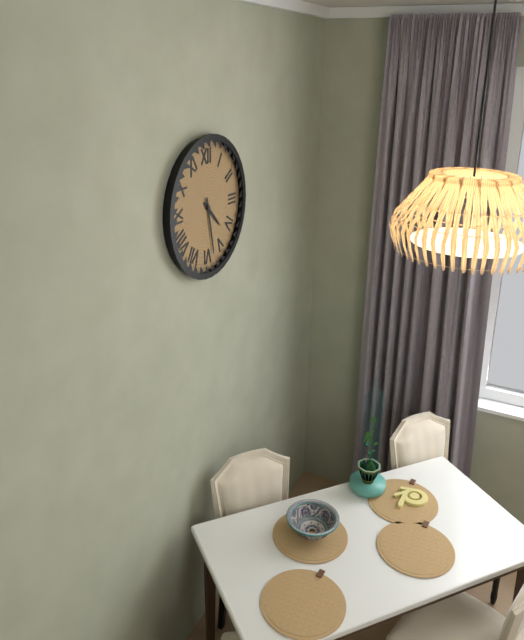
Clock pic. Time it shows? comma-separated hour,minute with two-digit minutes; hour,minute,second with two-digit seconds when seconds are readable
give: 4,28
